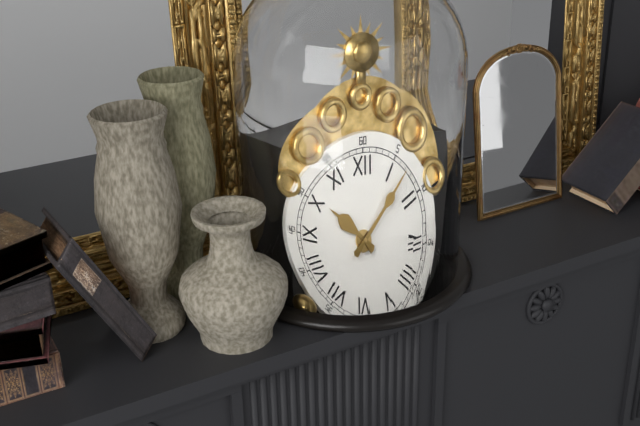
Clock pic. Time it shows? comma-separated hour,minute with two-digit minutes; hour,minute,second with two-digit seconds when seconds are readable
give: 10,07
